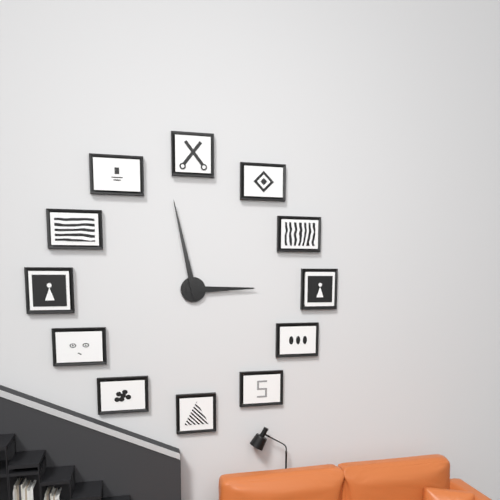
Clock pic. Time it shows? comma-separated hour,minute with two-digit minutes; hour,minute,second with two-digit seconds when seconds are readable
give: 2,58
